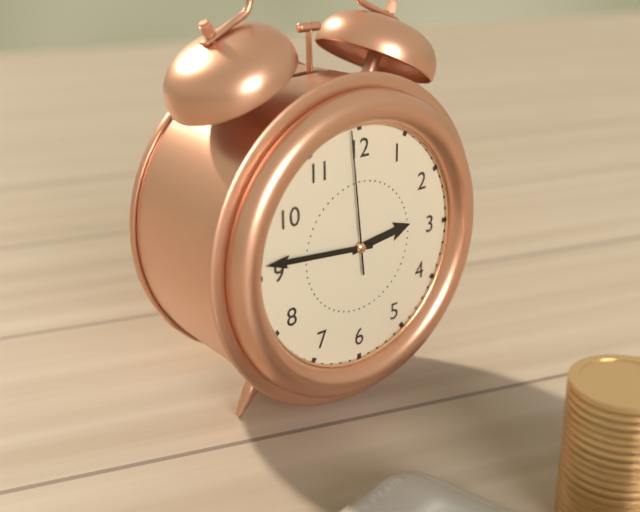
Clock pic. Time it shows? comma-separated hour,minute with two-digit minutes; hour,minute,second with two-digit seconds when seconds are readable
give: 2,46,59
